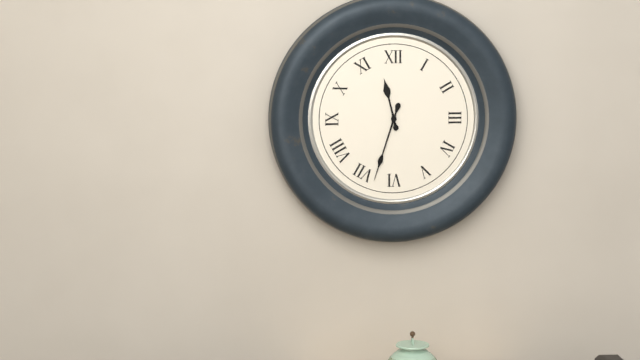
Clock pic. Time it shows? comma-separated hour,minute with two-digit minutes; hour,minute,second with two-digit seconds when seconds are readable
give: 11,33
